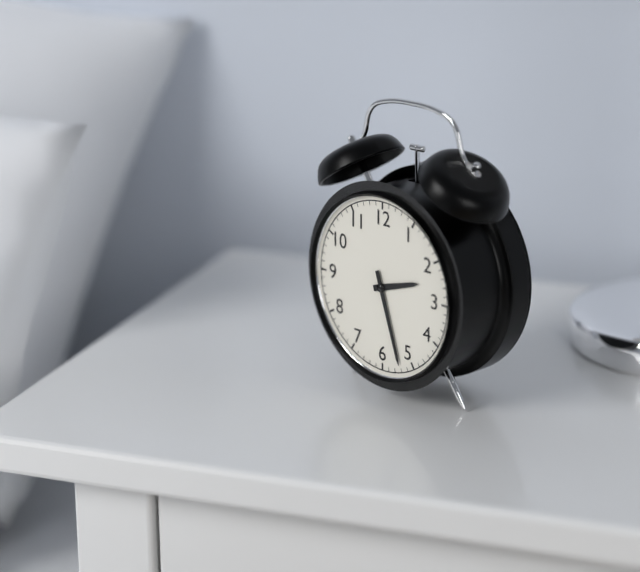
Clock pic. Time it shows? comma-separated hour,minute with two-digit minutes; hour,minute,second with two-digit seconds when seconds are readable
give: 2,27
